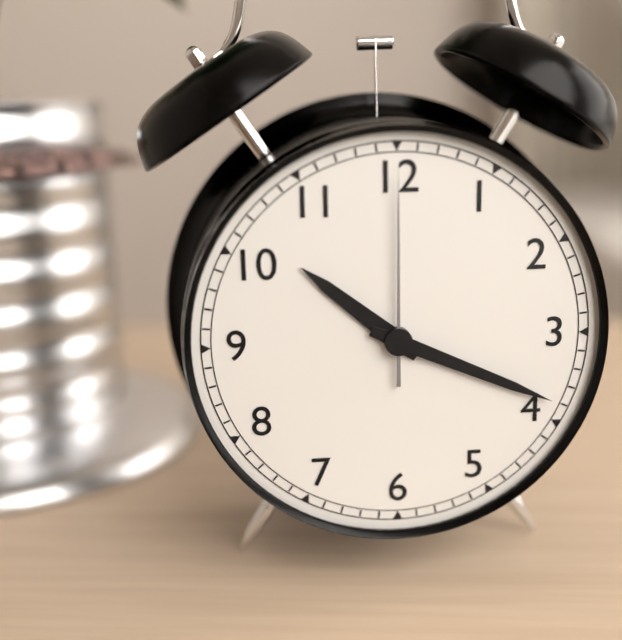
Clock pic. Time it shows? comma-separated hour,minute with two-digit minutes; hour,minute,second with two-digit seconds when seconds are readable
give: 10,19,00
